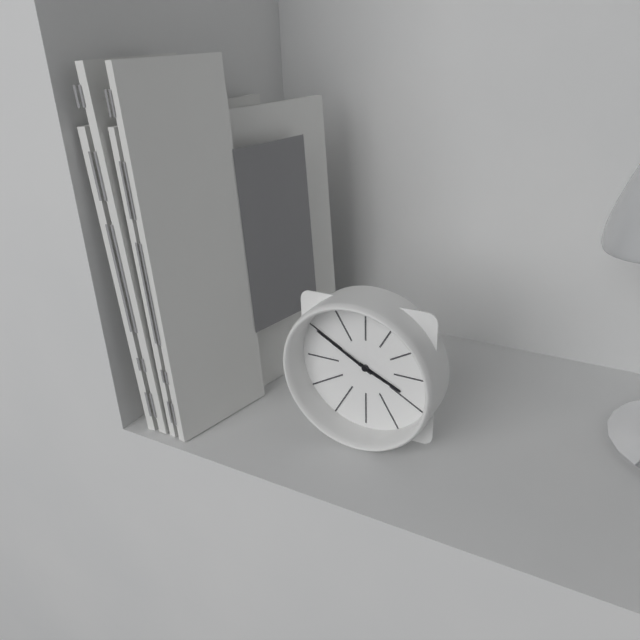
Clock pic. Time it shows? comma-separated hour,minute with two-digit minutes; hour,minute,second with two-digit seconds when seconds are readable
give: 3,50
